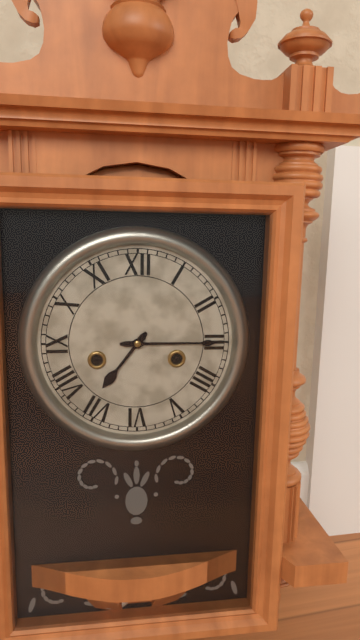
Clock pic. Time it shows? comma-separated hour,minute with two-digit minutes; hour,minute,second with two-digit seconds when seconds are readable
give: 7,15
